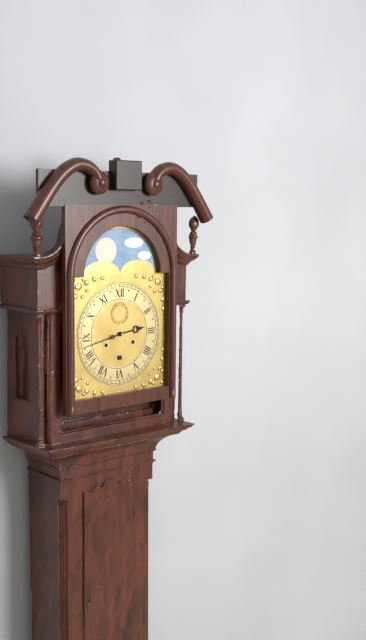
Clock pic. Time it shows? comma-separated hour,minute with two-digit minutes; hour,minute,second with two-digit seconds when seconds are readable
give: 2,43
